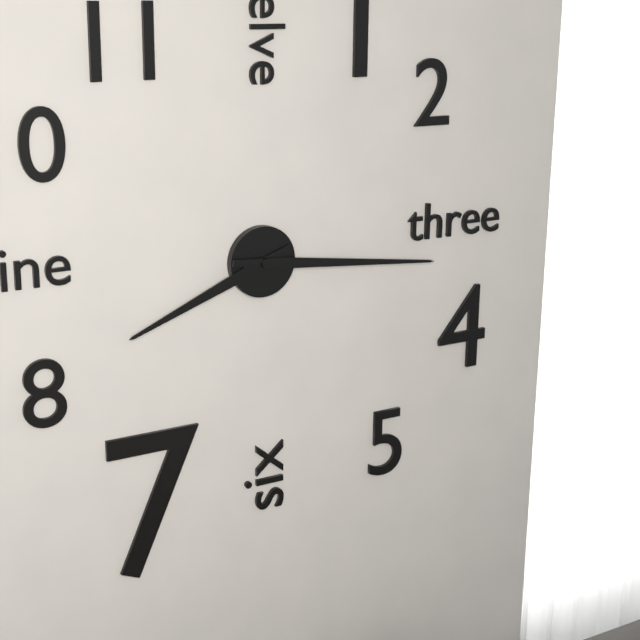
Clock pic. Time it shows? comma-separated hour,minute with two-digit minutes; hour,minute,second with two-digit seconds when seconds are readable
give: 8,16
